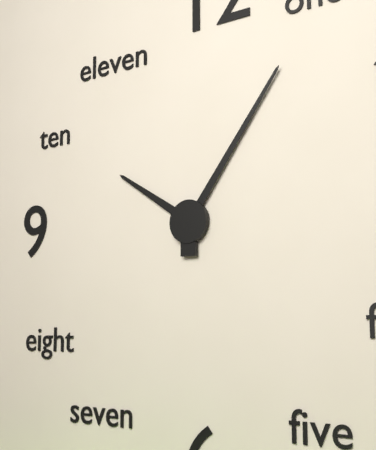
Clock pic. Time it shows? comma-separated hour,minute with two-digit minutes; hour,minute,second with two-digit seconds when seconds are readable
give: 10,06
